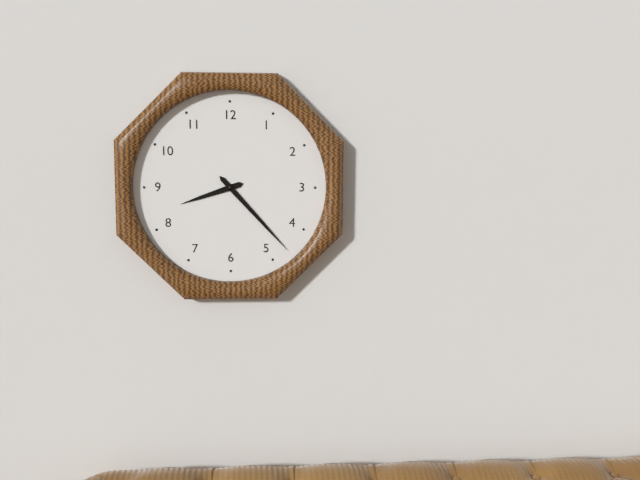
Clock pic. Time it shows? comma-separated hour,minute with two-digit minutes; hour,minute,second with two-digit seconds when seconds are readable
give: 8,23
